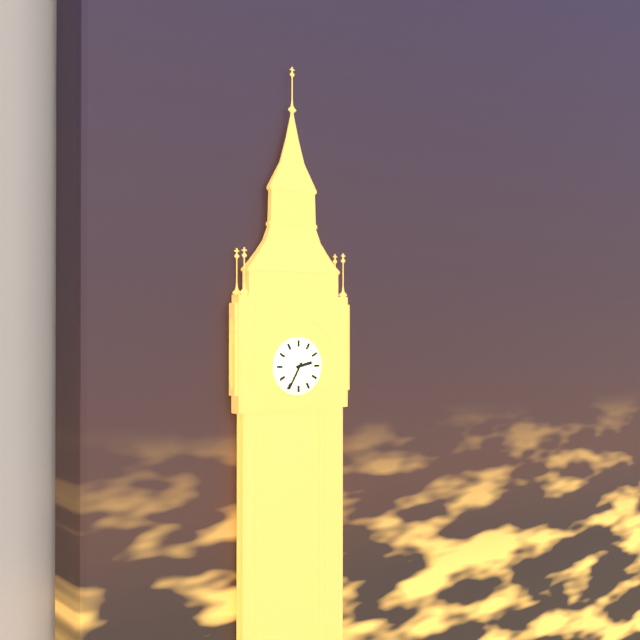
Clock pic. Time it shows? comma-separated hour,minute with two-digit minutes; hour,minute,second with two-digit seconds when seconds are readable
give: 2,35
